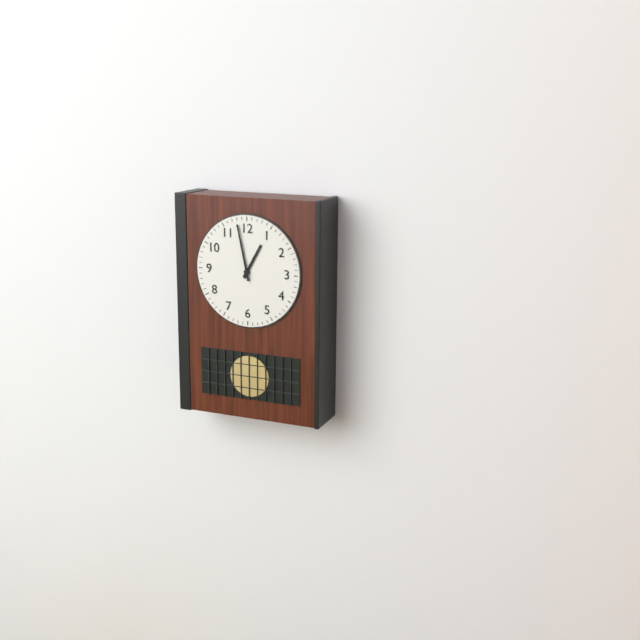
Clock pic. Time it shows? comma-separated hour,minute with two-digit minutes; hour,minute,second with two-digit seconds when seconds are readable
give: 12,58
